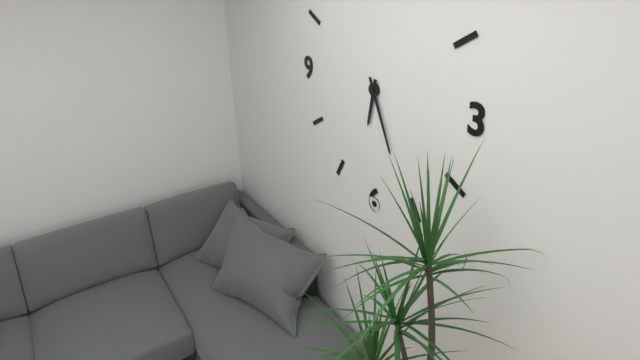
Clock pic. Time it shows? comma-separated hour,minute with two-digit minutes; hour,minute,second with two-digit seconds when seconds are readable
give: 6,26
